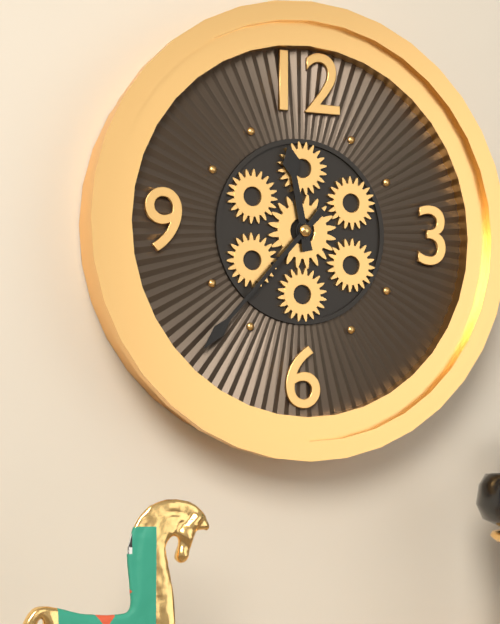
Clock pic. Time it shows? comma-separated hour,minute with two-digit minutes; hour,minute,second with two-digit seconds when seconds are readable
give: 11,37
